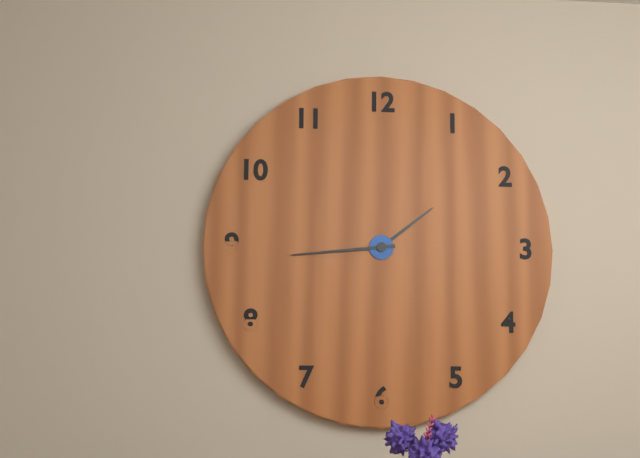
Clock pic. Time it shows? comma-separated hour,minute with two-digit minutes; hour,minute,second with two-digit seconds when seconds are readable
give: 1,44
